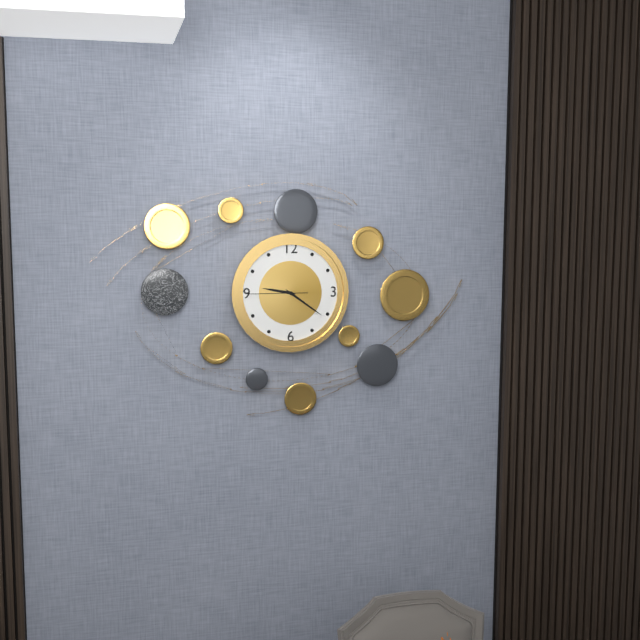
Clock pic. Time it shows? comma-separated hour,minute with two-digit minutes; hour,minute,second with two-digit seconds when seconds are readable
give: 9,21,45
